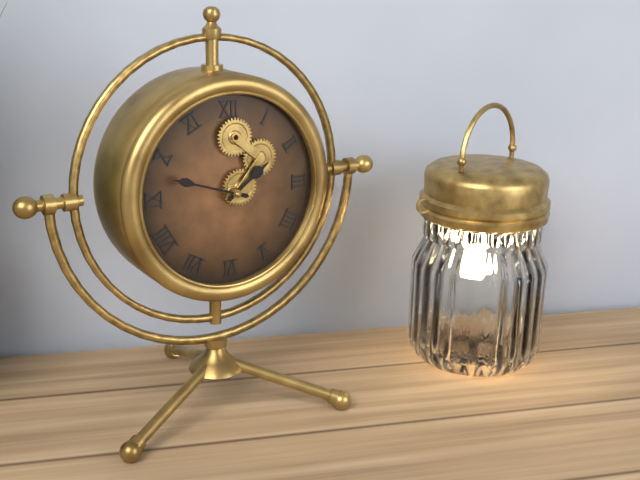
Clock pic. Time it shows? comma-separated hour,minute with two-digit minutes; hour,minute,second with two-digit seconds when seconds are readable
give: 1,48
